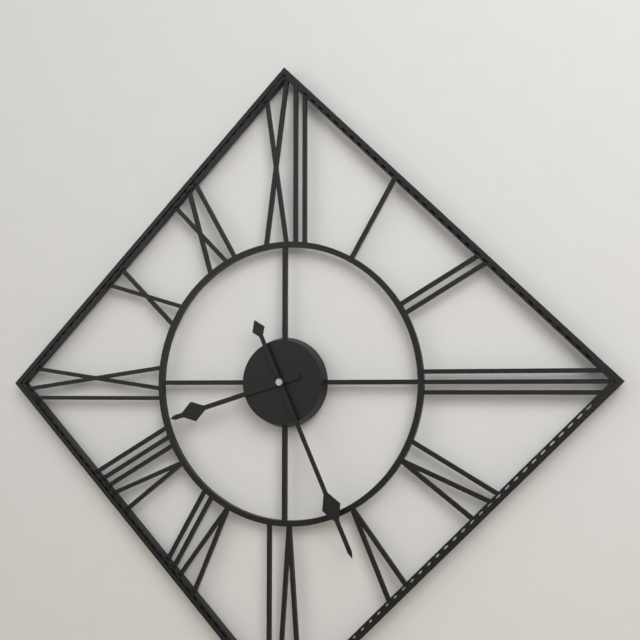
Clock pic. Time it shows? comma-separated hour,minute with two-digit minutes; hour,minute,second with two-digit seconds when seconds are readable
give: 8,26
